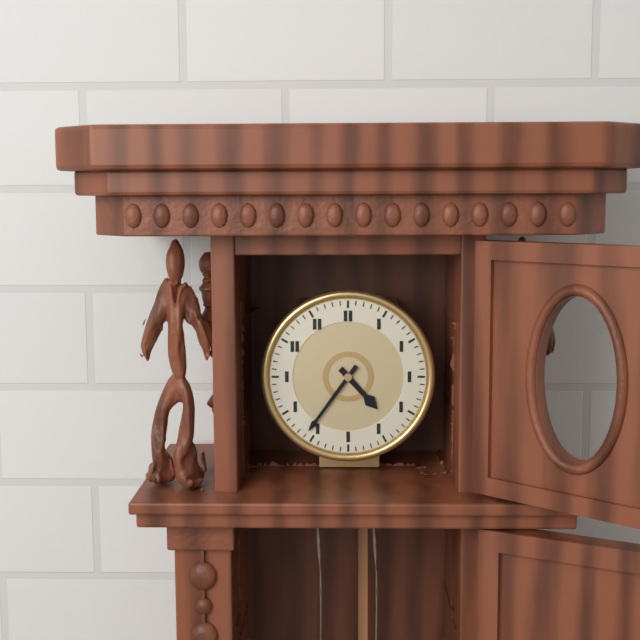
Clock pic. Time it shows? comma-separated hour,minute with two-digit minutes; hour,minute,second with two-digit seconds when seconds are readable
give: 4,36
